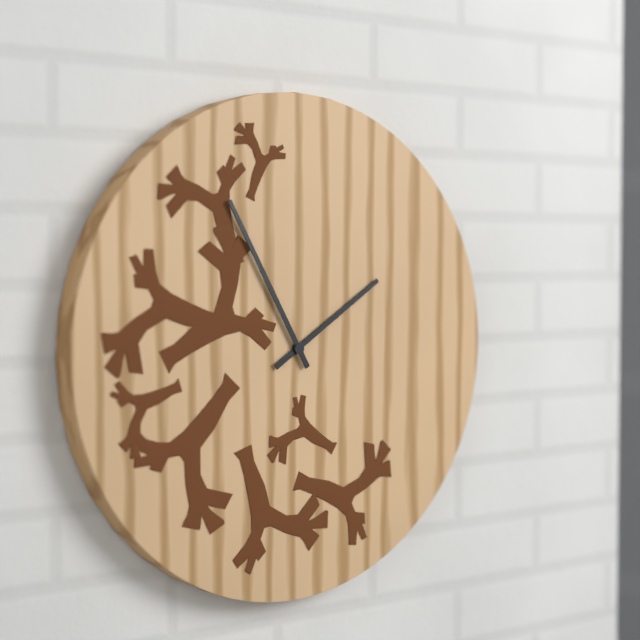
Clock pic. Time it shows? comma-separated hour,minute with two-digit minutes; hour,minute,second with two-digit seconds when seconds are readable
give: 1,55
